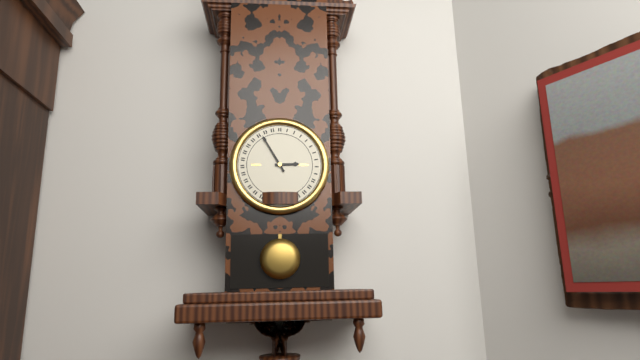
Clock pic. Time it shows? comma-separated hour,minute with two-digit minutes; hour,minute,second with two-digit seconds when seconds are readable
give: 2,55
